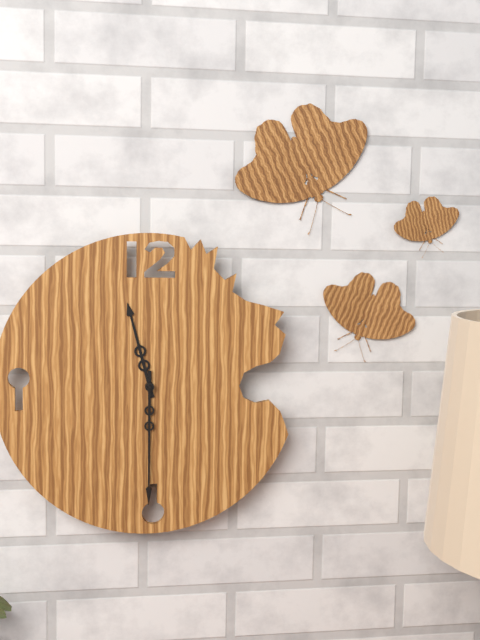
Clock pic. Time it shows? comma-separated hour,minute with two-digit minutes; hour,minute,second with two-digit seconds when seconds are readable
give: 11,30
